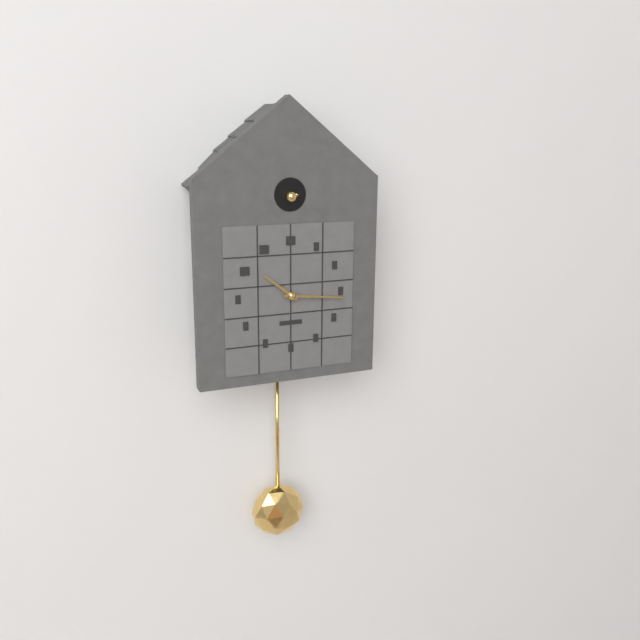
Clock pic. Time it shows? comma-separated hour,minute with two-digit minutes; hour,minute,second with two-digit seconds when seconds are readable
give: 10,16
